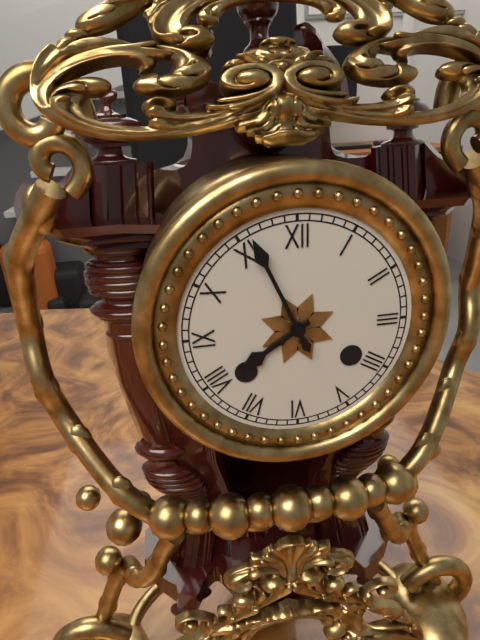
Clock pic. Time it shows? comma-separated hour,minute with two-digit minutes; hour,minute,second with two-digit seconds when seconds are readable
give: 7,56
